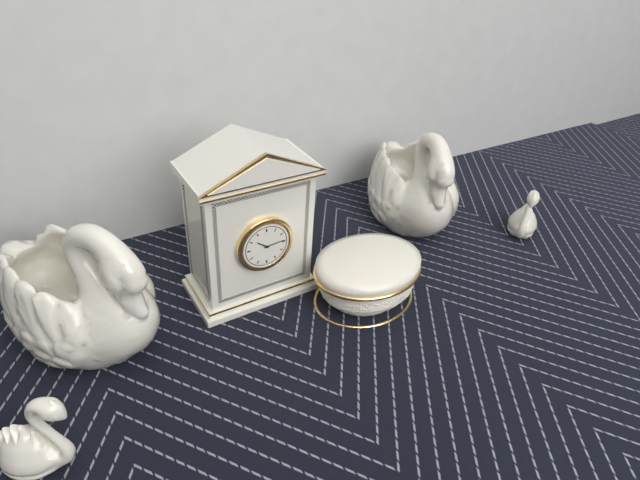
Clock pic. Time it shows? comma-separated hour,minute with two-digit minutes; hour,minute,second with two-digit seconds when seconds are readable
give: 10,14
